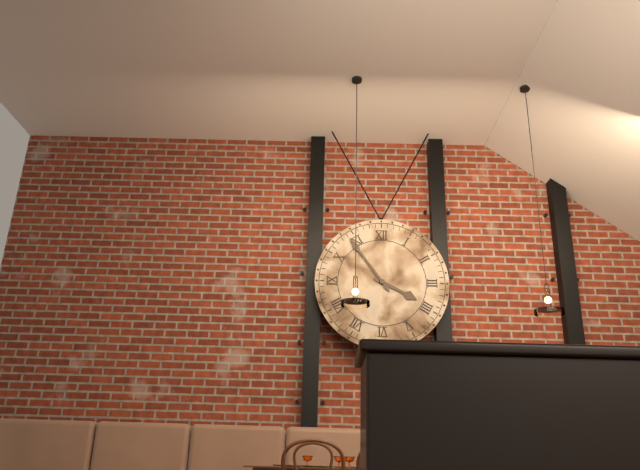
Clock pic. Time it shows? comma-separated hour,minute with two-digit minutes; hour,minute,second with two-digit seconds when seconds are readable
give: 3,54
